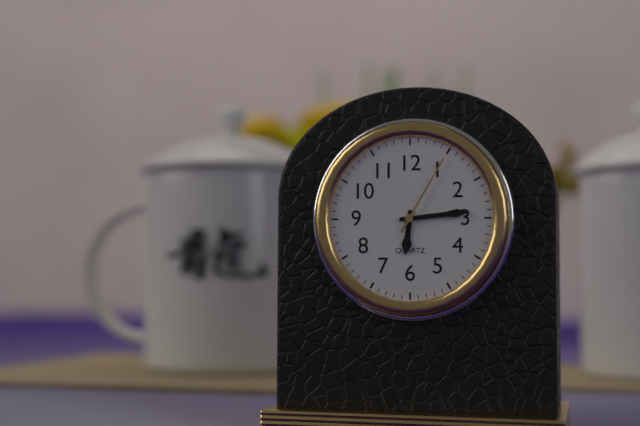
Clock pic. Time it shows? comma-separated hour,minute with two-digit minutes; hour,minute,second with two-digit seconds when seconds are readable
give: 6,14,05
